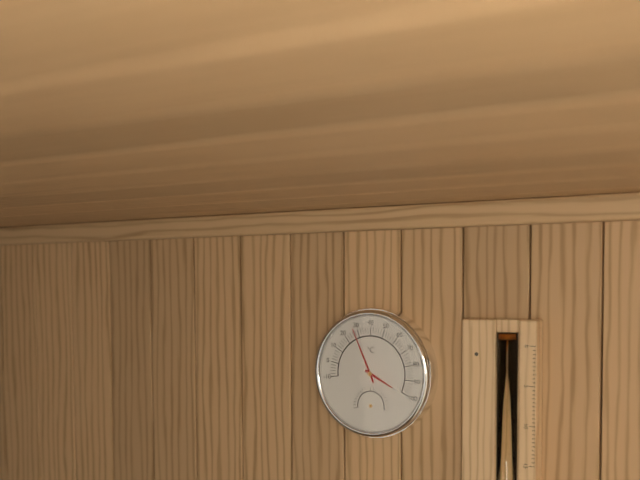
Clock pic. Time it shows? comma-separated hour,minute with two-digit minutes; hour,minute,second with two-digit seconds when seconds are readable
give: 3,56
